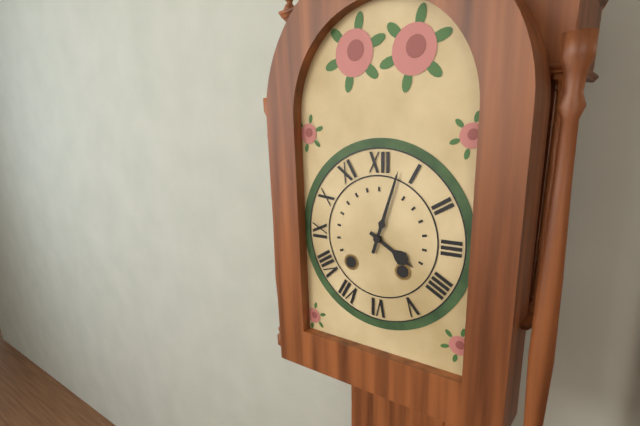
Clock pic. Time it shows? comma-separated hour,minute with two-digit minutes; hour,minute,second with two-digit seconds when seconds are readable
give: 4,03
